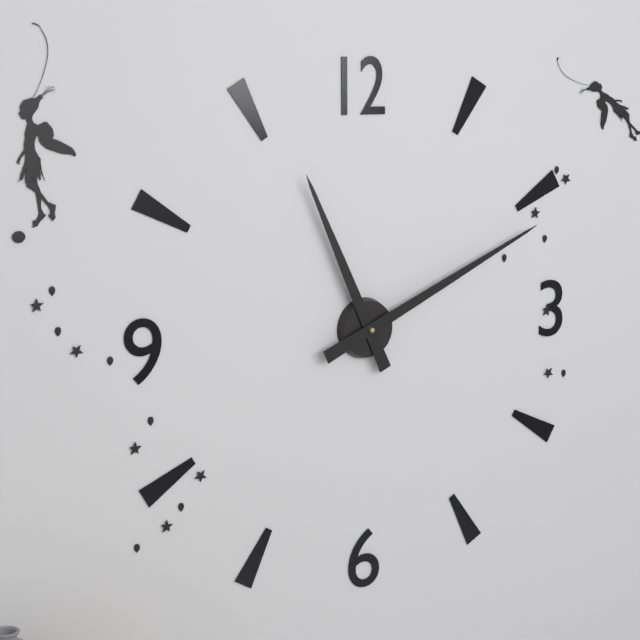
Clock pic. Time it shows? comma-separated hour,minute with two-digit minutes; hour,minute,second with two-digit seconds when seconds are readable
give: 11,11
